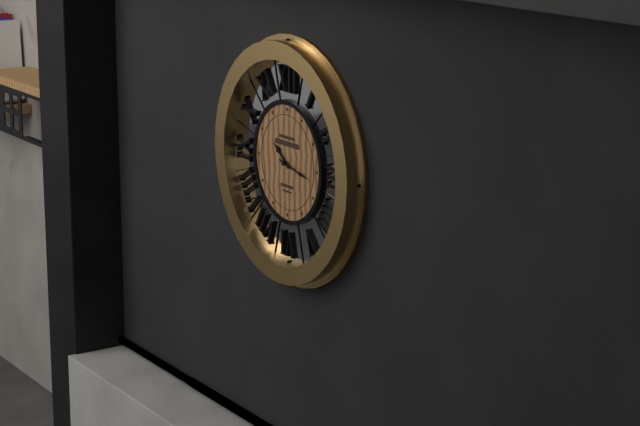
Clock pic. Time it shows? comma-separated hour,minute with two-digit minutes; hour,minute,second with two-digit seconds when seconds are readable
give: 10,17
